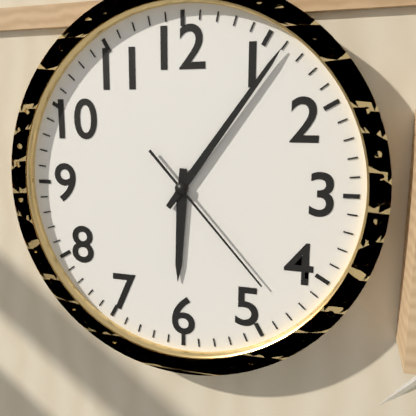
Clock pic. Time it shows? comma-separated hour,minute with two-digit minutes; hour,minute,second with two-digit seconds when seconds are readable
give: 6,06,23
